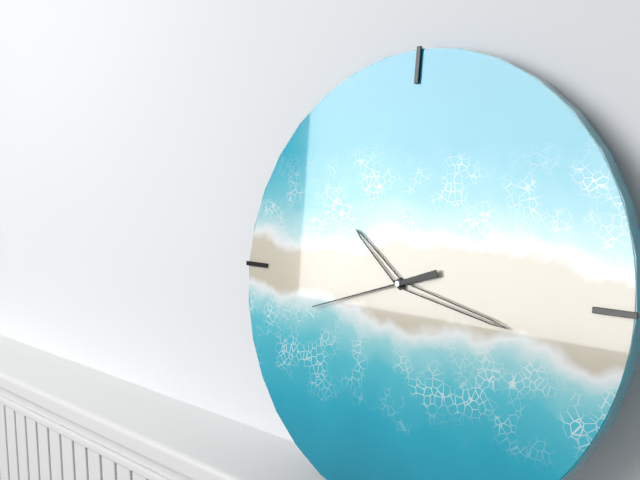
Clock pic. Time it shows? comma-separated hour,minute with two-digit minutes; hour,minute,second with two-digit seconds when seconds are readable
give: 10,17,42
